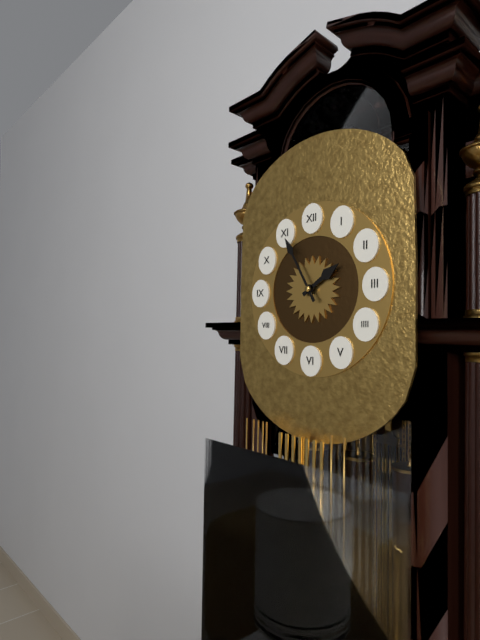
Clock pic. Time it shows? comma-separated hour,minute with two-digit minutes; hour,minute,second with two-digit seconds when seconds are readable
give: 1,55
